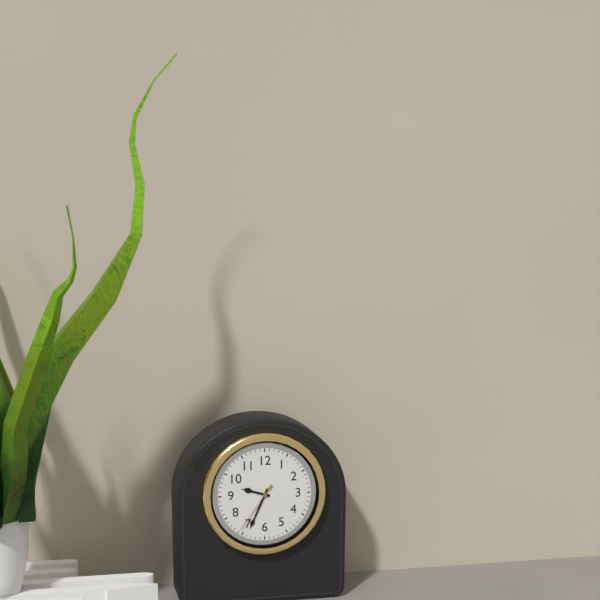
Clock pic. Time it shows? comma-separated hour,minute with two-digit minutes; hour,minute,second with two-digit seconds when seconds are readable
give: 9,34,36
